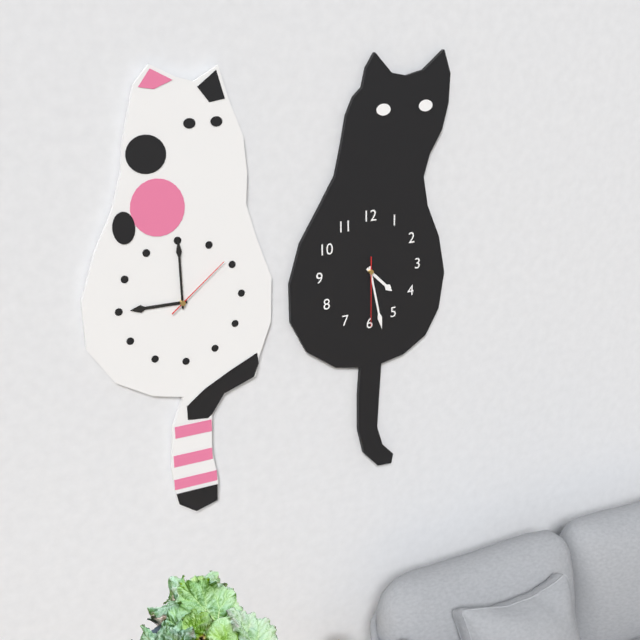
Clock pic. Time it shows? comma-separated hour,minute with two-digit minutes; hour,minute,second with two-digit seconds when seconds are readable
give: 4,28,30
